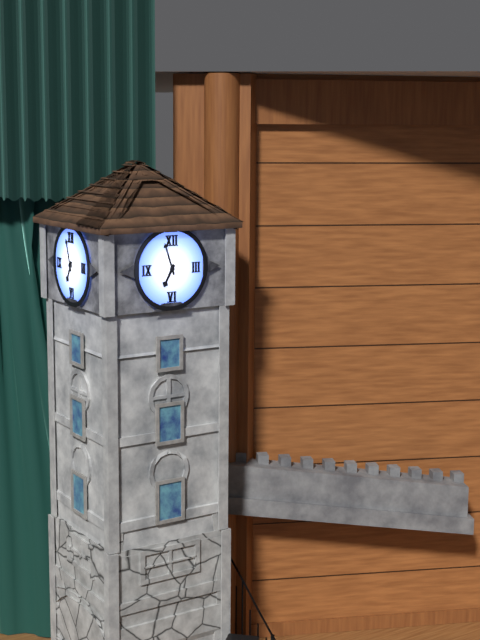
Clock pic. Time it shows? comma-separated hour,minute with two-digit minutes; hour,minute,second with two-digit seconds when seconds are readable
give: 6,57
